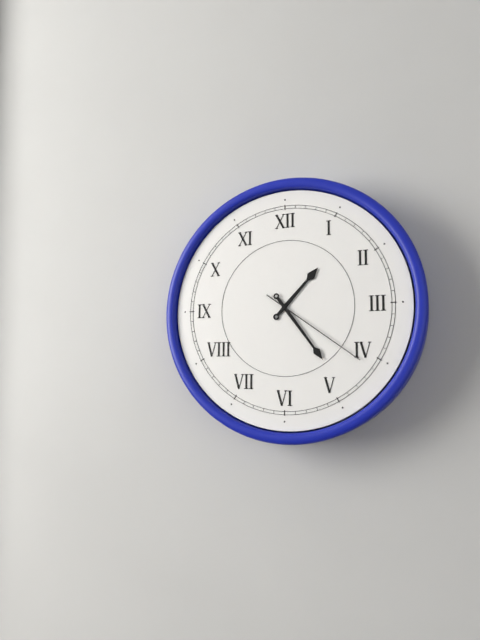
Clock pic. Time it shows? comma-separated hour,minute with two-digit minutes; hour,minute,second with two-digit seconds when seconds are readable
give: 1,24,21
